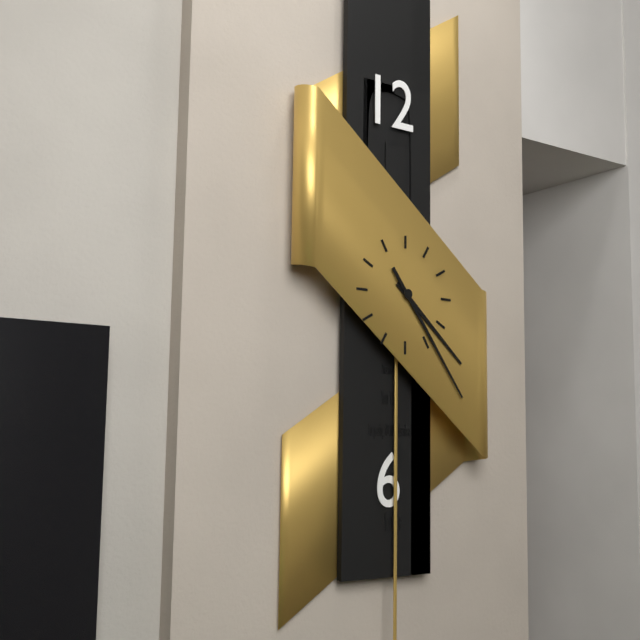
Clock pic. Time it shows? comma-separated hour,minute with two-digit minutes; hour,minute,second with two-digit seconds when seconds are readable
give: 4,24
